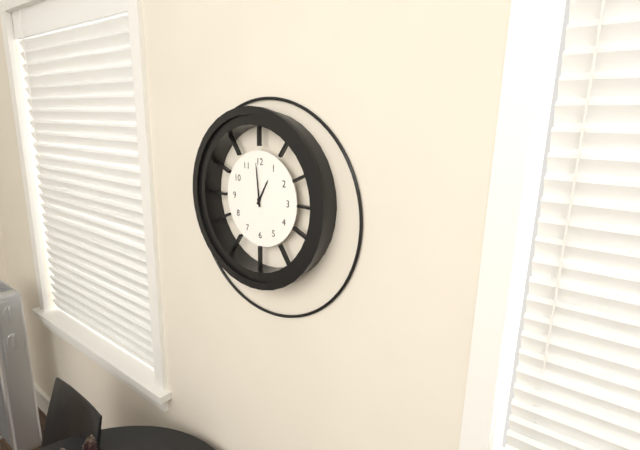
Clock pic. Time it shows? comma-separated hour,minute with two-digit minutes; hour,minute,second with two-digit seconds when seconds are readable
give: 12,59
